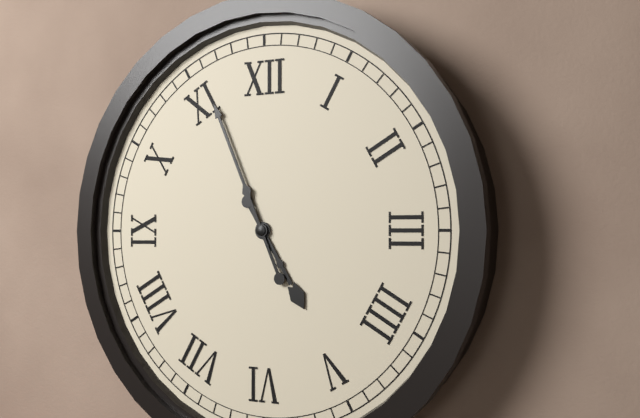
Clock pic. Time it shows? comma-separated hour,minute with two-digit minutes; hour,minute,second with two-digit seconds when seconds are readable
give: 4,56
